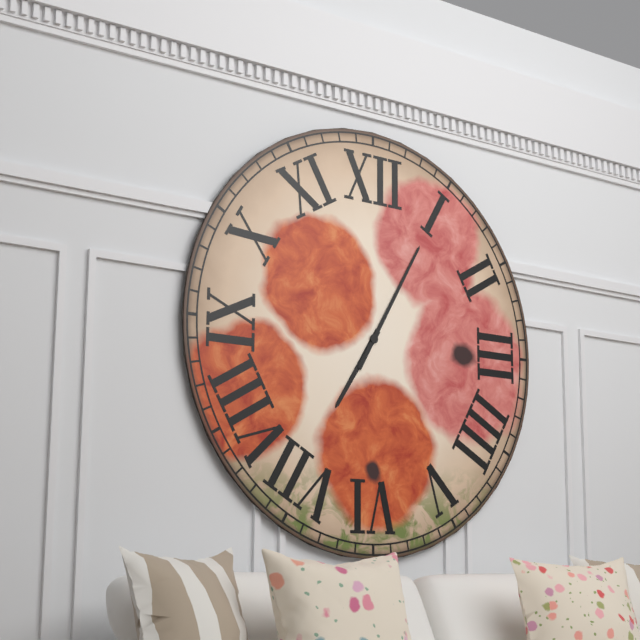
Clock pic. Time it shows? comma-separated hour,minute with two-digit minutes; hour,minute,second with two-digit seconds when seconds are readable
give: 7,05
